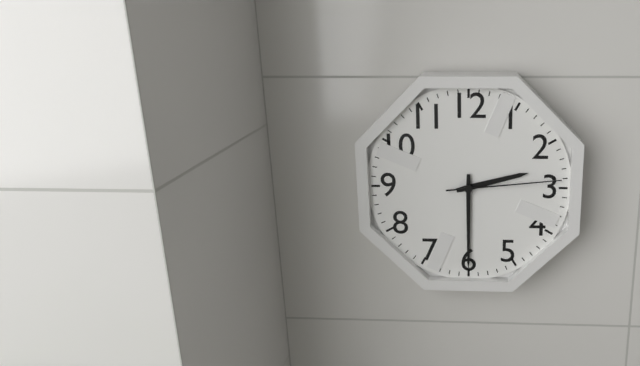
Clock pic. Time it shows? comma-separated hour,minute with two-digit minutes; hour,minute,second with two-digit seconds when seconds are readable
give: 2,30,14
